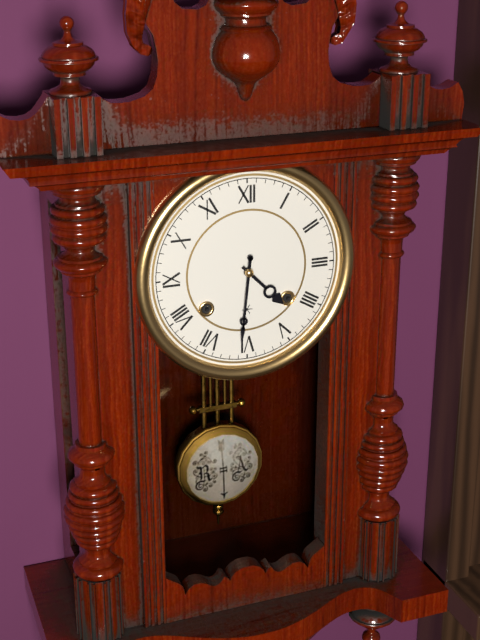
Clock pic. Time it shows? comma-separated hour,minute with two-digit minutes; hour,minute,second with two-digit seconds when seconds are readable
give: 4,31
